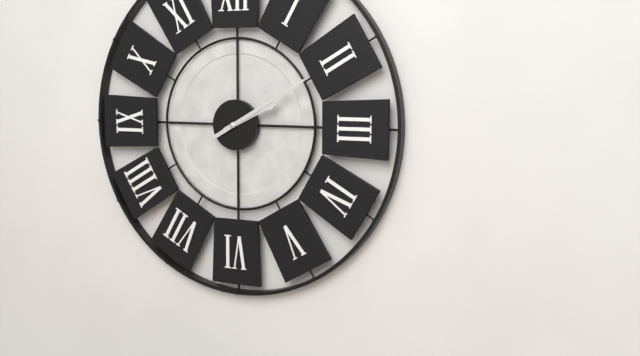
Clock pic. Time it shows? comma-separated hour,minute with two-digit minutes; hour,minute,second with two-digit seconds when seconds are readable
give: 2,10
